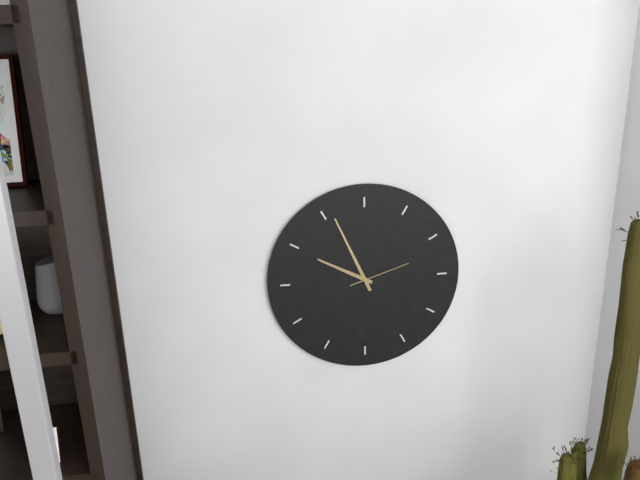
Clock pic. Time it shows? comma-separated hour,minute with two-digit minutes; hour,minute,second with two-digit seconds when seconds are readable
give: 9,56,12
